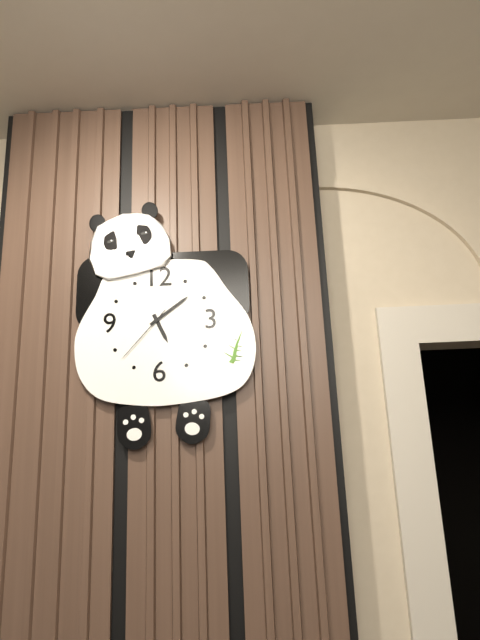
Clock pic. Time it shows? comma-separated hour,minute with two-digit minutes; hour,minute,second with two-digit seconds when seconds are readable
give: 5,09,37
